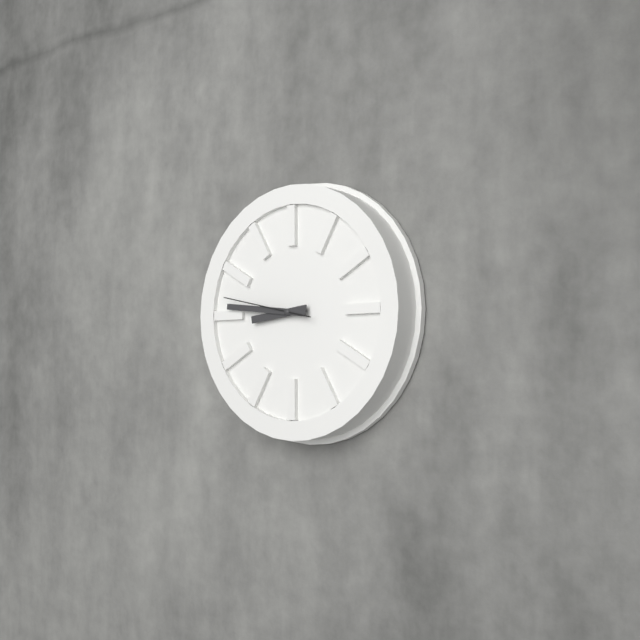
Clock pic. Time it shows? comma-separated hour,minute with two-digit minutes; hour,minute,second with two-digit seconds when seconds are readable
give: 8,46,47
